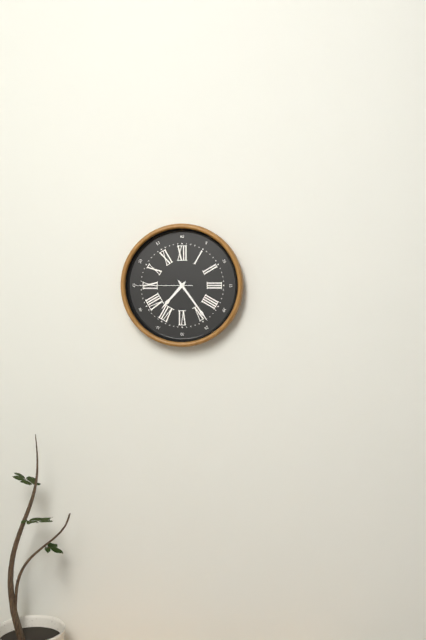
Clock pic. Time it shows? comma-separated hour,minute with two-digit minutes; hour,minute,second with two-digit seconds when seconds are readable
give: 7,24,45
